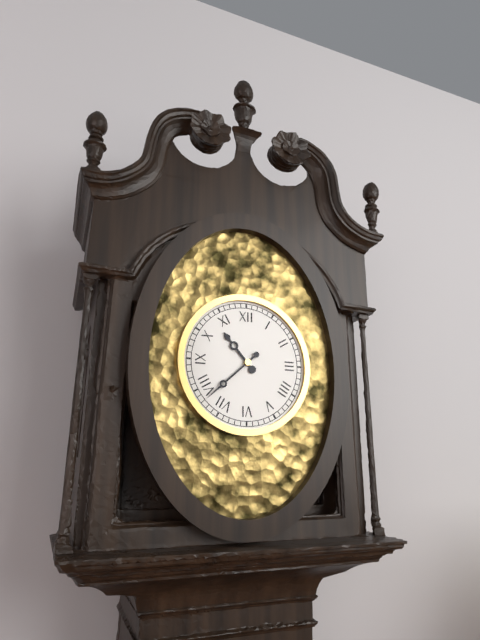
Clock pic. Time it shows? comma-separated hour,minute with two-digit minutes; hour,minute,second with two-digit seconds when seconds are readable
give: 10,38
